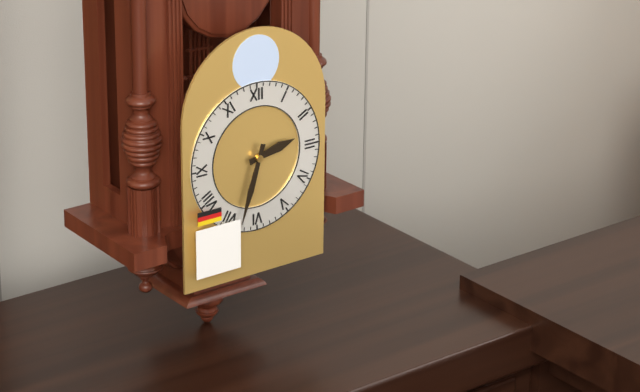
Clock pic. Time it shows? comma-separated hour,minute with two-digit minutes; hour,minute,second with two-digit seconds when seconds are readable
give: 2,33
